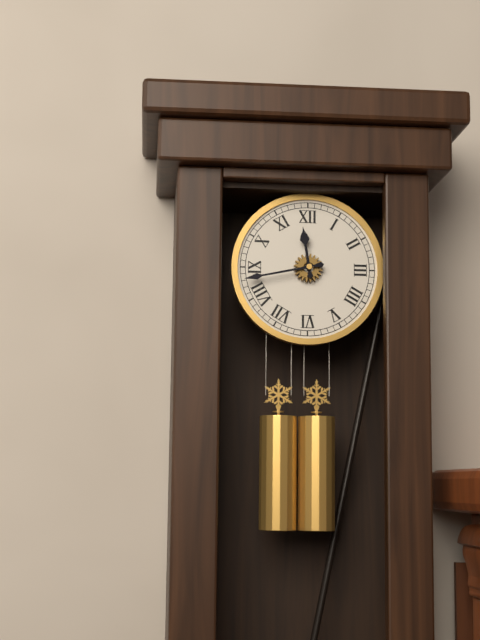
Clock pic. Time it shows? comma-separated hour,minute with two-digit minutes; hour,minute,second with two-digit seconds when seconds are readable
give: 11,43
